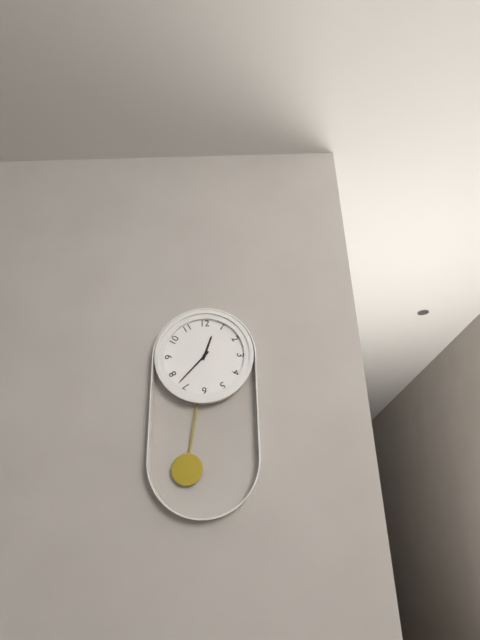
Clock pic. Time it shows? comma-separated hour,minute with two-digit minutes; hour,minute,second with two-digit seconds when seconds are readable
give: 12,37
